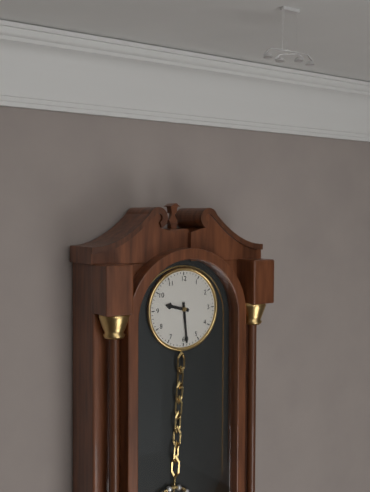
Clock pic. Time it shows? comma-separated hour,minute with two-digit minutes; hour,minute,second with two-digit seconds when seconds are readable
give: 9,29
